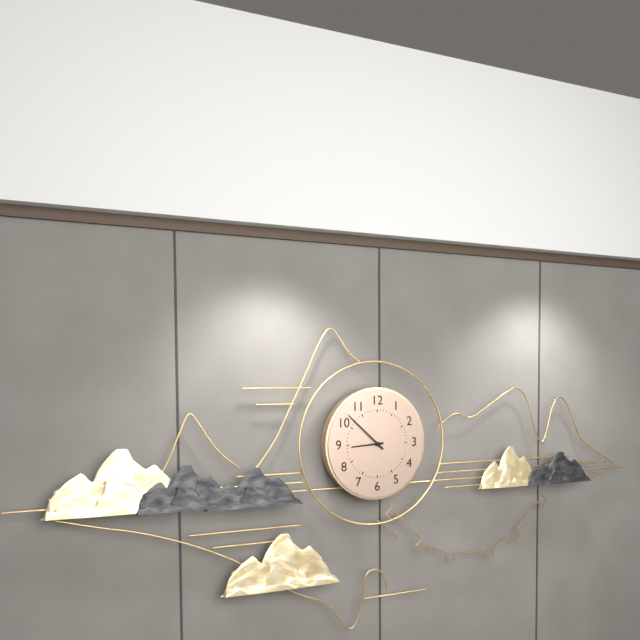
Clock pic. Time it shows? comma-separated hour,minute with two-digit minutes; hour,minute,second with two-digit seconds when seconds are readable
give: 8,52
